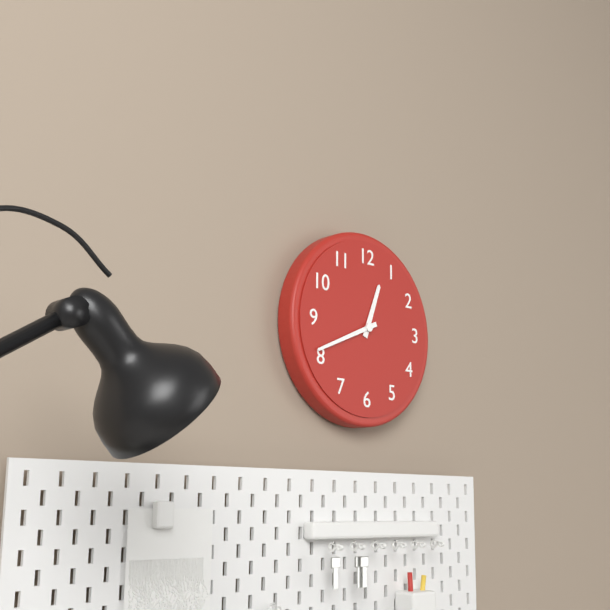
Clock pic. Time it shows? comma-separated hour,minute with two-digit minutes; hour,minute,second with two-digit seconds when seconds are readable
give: 12,41
